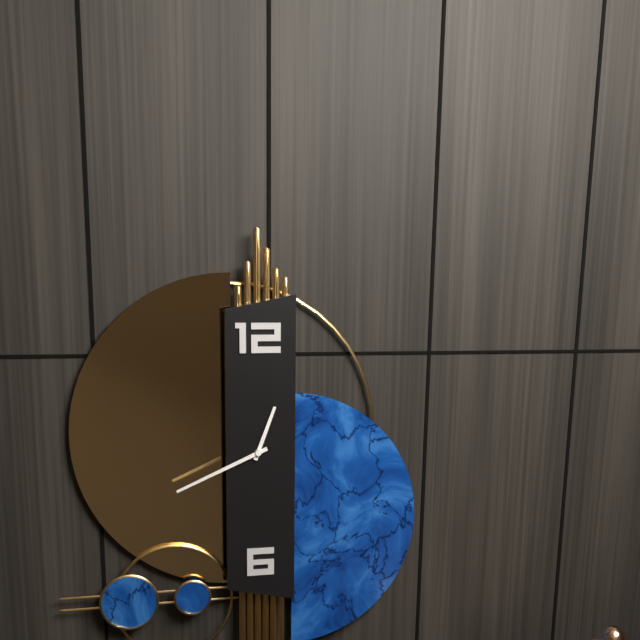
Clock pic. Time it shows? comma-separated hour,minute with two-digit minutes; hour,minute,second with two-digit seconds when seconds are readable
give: 12,41
